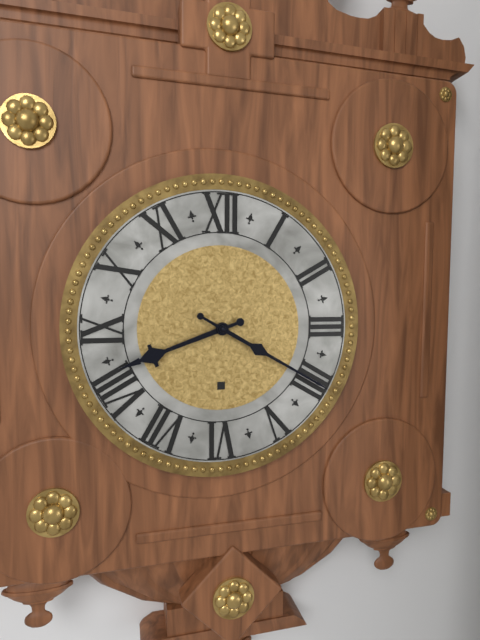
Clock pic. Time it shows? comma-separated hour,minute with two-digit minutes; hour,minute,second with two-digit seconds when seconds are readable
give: 8,20
